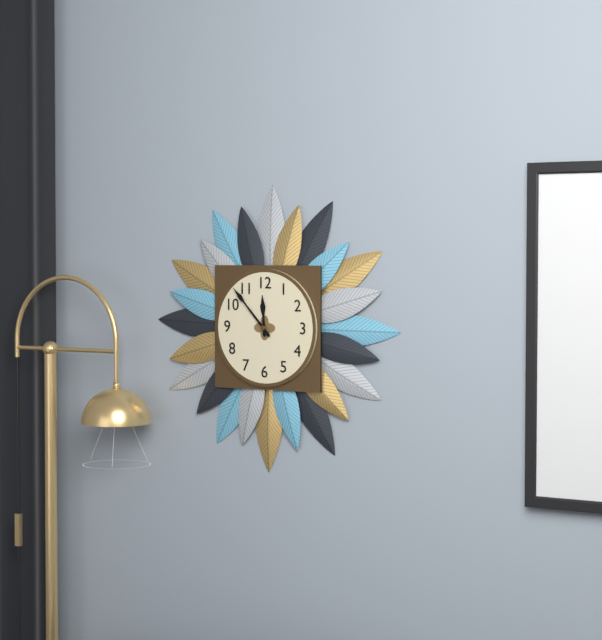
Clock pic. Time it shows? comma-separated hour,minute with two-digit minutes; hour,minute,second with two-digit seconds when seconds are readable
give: 11,53
